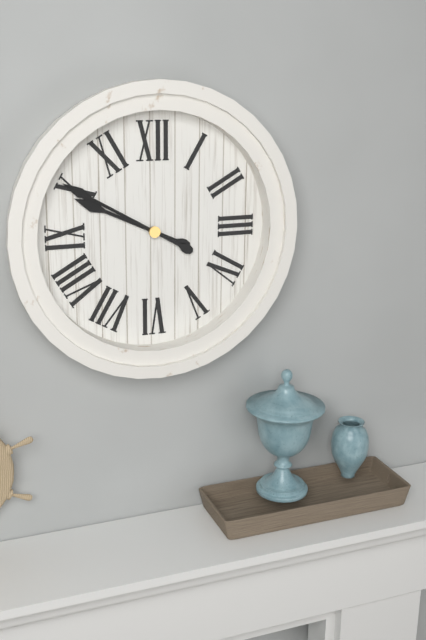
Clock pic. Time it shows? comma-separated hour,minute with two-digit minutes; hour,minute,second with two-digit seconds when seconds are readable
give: 9,50
